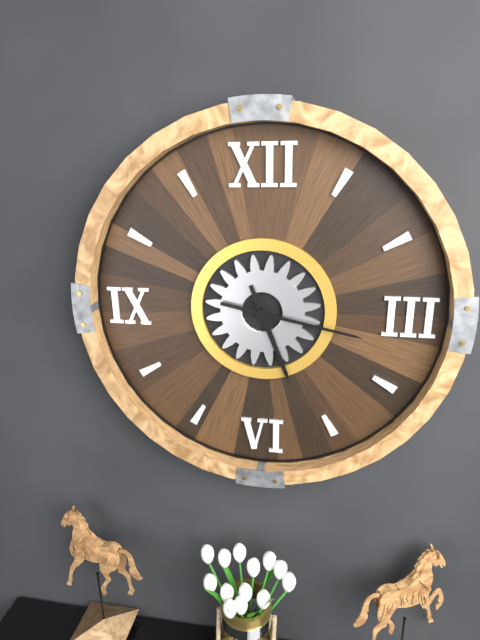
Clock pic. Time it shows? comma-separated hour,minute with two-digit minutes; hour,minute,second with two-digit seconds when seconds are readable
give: 5,17
